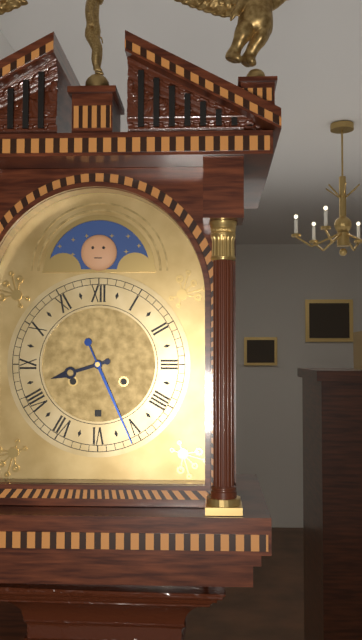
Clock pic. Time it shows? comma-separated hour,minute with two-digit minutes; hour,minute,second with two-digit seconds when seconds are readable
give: 8,26
